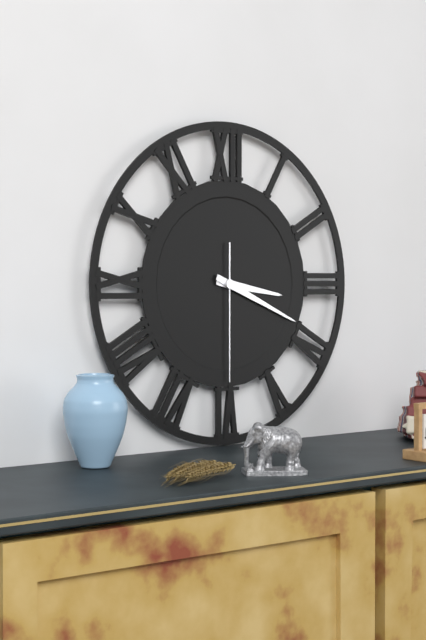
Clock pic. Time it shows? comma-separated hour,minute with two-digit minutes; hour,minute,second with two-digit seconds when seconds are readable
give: 3,19,30
